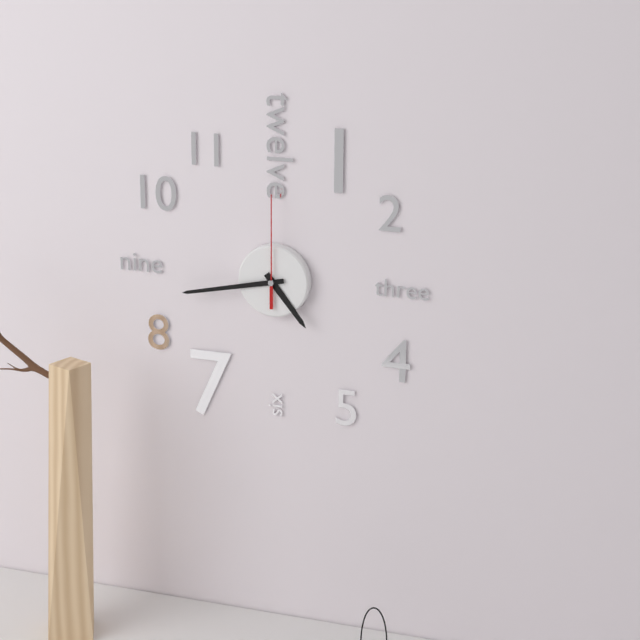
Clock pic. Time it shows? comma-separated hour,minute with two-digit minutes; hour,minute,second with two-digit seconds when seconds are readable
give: 4,43,00
